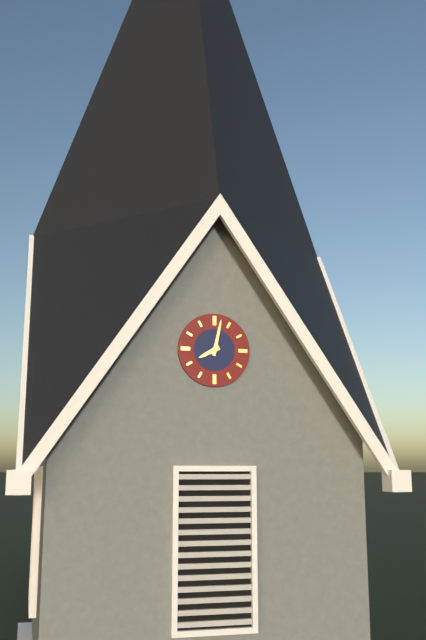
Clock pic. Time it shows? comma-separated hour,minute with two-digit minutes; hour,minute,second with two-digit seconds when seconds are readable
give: 8,02
